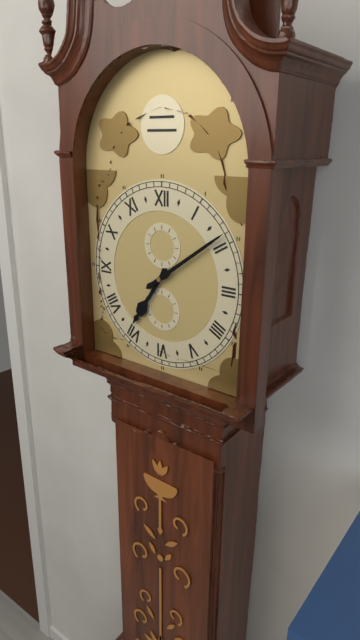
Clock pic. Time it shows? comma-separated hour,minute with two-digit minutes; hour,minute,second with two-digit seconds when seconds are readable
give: 7,09
